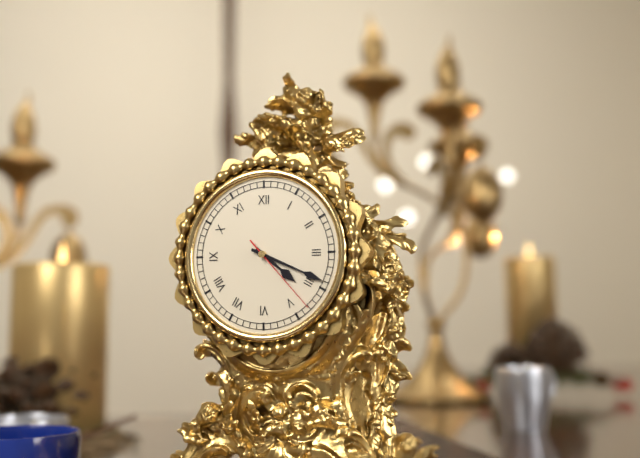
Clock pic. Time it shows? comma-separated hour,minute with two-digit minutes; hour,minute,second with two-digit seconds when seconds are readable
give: 4,19,23
